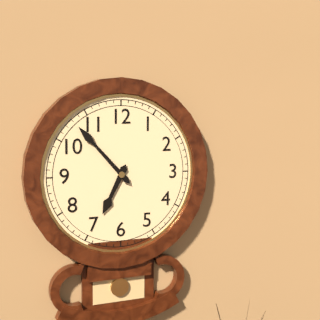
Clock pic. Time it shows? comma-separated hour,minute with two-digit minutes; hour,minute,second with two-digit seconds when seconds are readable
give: 6,53
